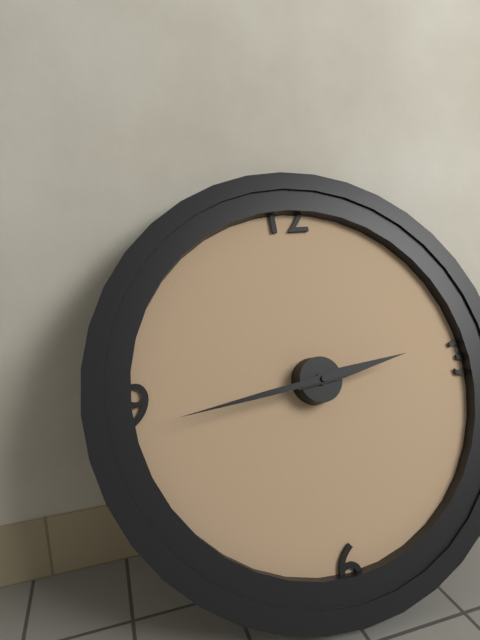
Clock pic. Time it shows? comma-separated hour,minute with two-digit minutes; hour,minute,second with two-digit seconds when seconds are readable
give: 2,44
